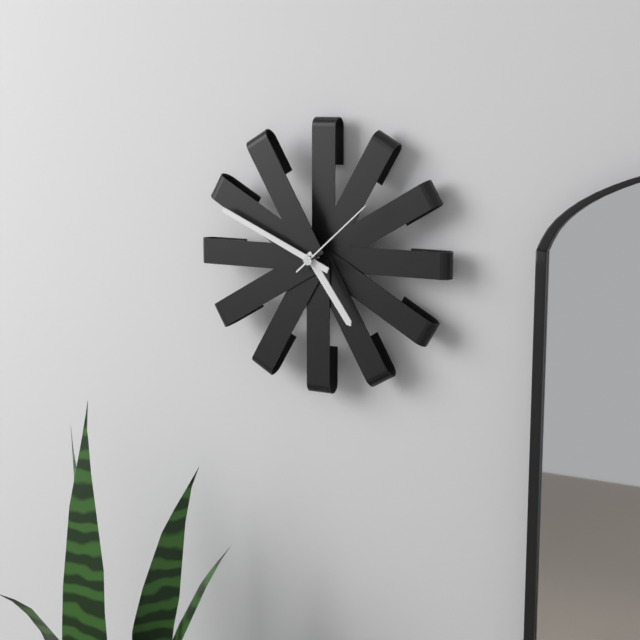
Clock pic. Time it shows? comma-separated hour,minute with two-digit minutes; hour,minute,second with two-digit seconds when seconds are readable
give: 4,49,08
